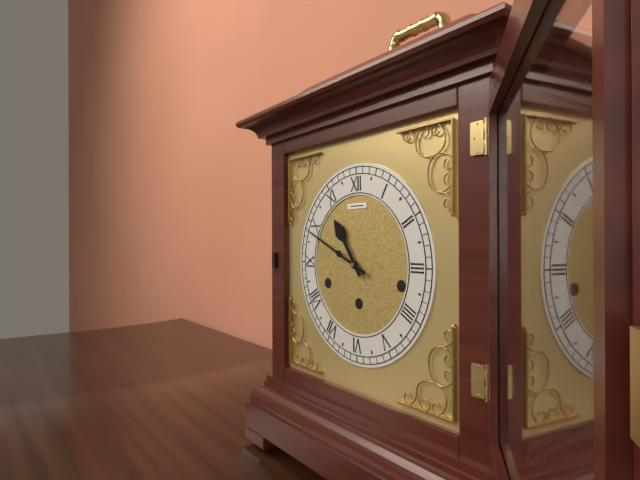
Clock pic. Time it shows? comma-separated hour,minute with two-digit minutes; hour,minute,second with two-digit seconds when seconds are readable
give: 10,49
